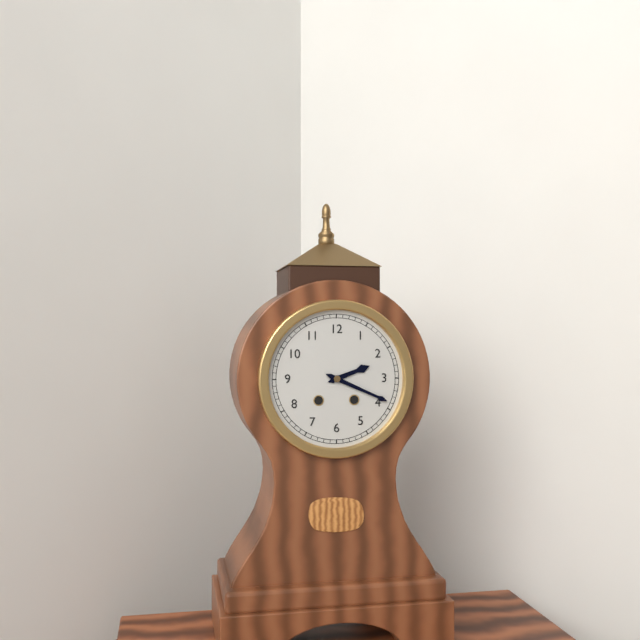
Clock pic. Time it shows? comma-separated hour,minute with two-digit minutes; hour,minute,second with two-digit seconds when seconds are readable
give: 2,19
